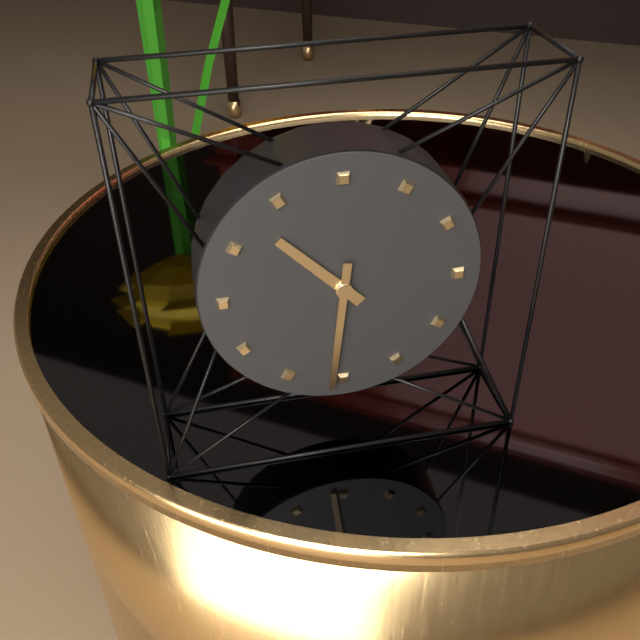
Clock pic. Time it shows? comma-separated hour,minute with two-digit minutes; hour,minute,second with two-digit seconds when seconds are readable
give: 10,31
